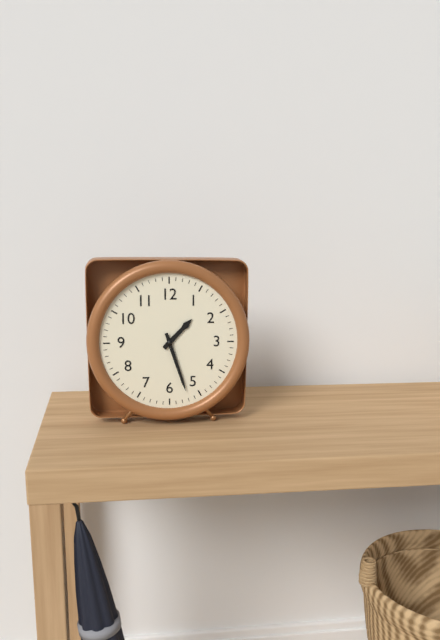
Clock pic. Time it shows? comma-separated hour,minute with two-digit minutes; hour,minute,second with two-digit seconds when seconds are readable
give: 1,27
